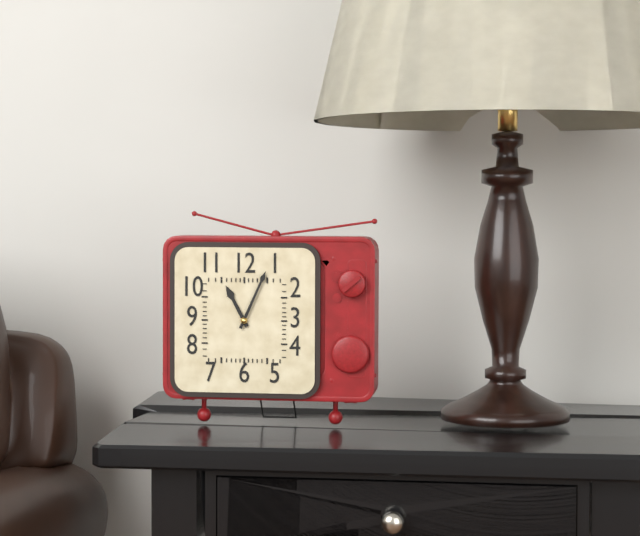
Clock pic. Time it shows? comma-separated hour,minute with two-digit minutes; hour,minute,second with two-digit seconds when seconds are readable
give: 11,04
